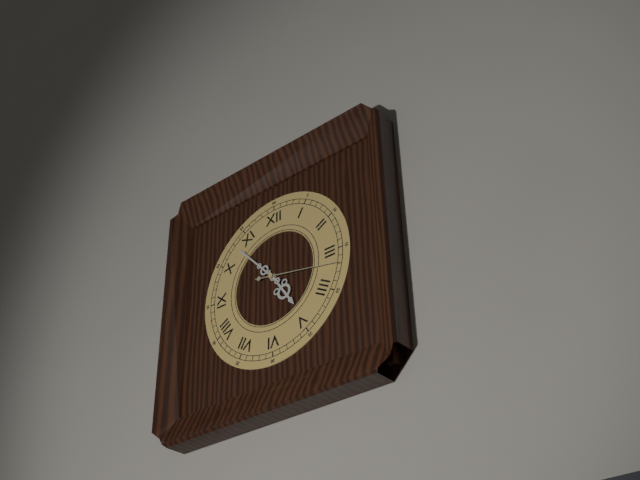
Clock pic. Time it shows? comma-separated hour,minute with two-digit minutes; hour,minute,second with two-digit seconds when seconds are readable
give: 4,53,17
